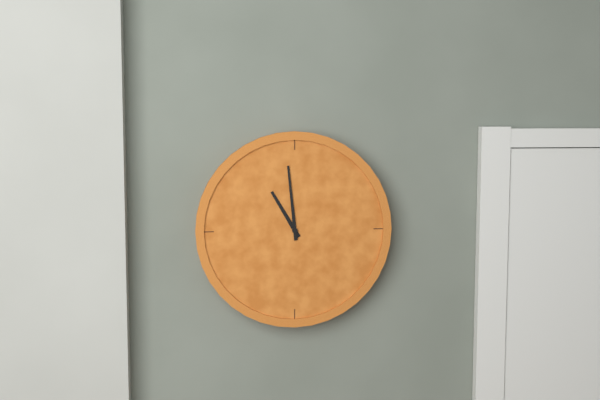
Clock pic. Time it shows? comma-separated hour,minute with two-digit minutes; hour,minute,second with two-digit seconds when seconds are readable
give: 10,59
